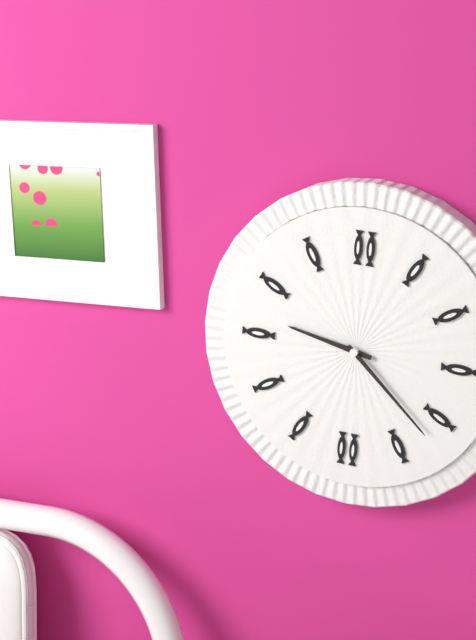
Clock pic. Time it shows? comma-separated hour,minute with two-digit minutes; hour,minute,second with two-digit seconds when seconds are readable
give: 9,22
